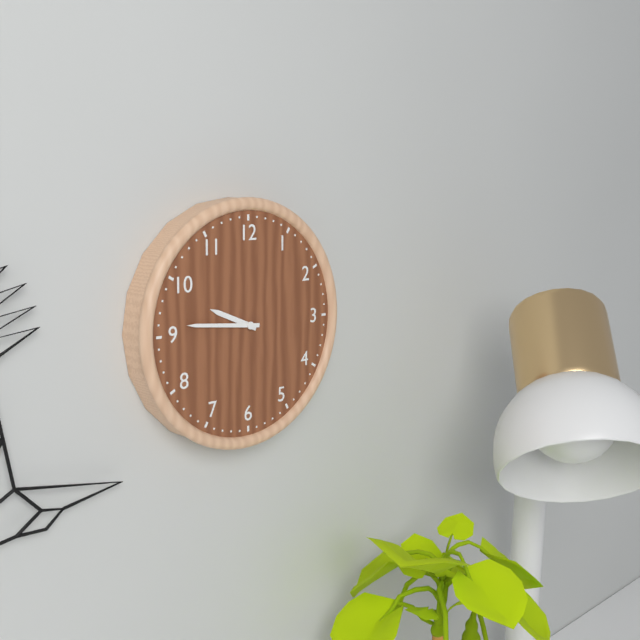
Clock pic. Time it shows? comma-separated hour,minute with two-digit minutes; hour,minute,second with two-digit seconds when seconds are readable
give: 9,46
